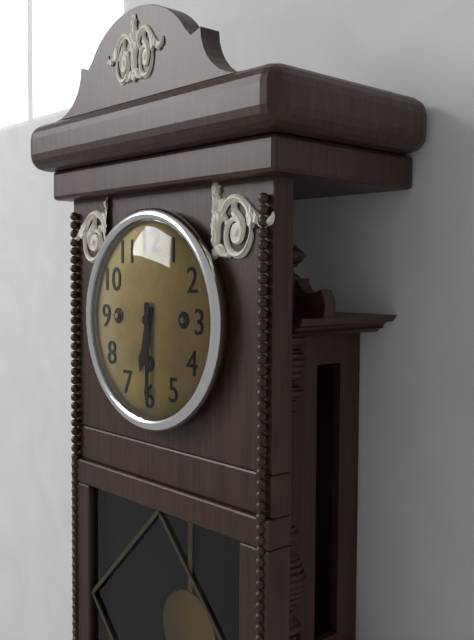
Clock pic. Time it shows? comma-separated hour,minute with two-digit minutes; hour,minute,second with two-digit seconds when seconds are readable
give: 6,30
